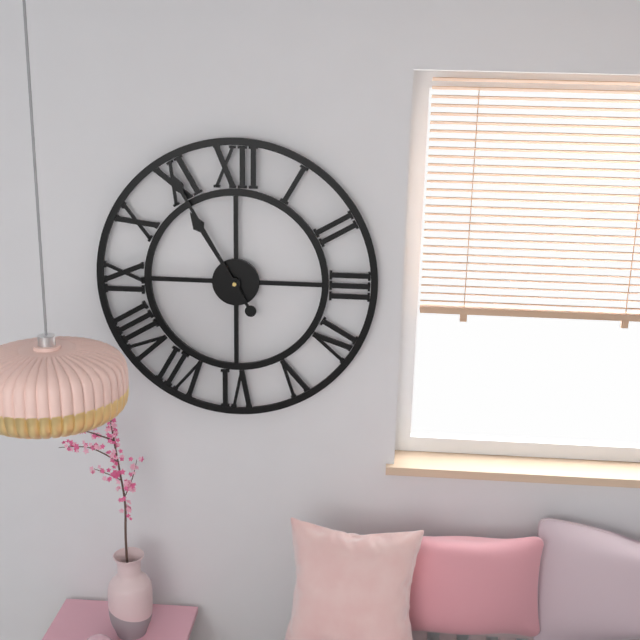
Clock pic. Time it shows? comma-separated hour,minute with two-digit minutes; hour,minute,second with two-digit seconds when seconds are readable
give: 10,55
